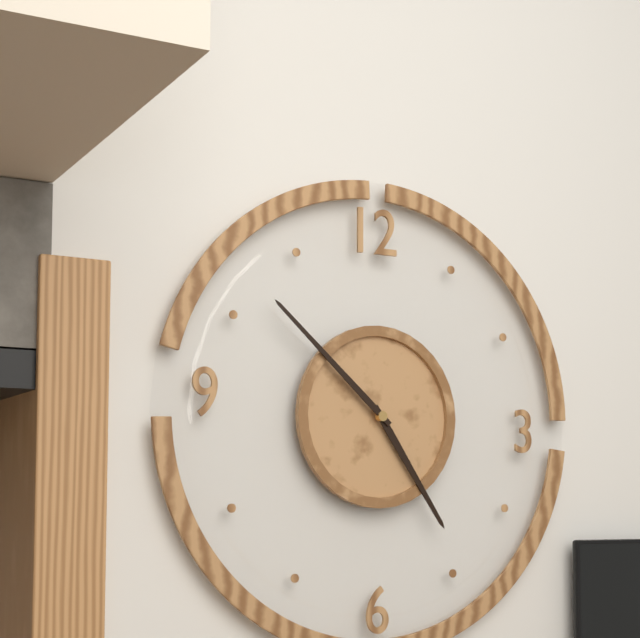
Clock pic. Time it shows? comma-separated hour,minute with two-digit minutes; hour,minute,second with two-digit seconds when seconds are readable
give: 4,52
